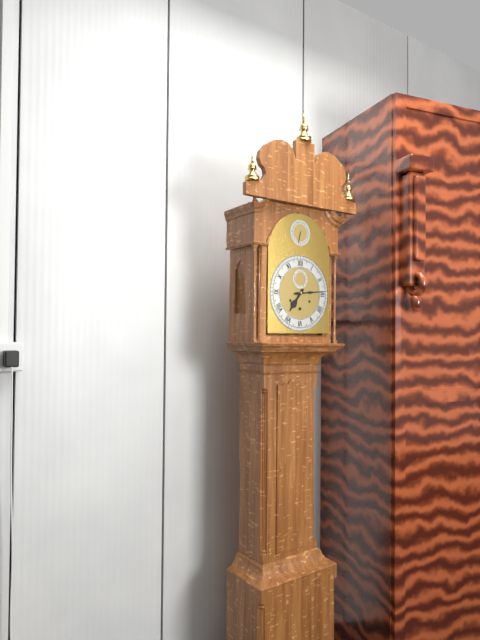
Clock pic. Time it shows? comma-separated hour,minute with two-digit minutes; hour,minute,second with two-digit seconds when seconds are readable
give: 7,14
